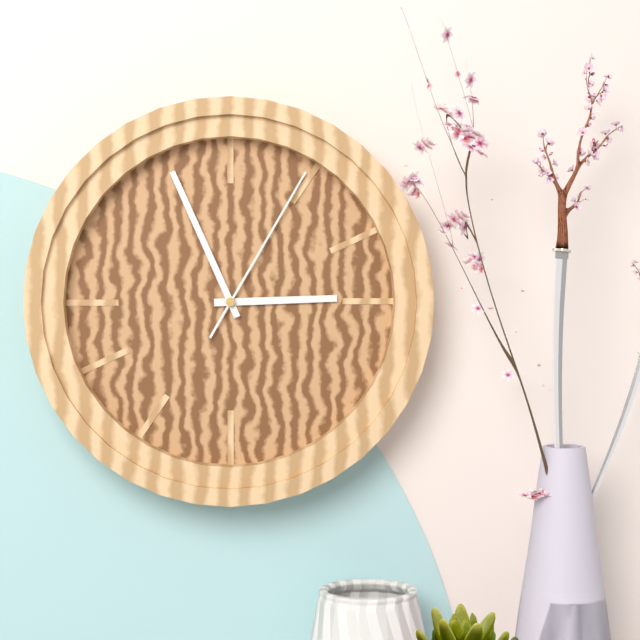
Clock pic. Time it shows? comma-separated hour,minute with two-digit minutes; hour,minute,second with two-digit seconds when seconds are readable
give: 2,56,05
